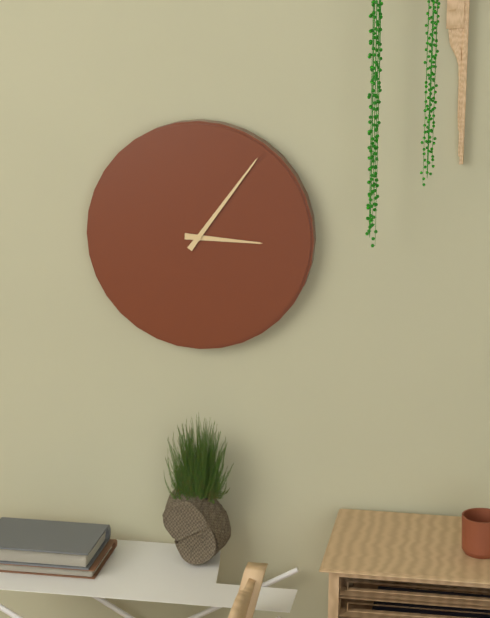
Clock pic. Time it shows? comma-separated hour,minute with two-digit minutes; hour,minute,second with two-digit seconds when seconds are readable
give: 3,06
